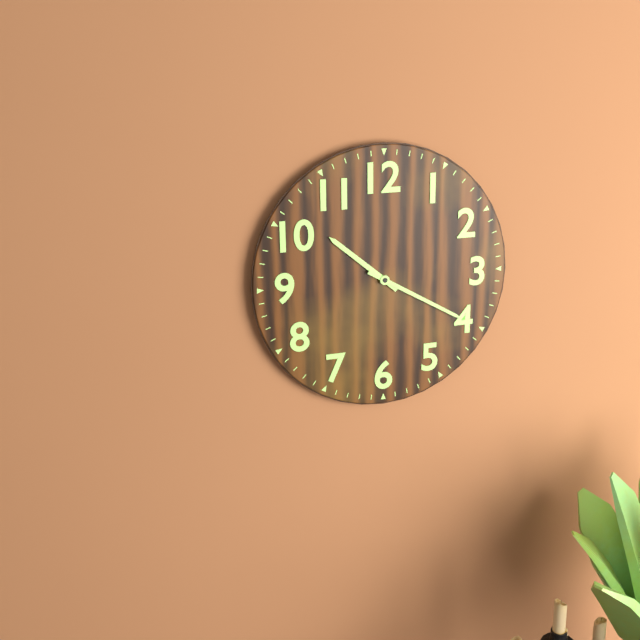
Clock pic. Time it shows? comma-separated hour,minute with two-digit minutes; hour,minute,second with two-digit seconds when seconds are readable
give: 10,20
